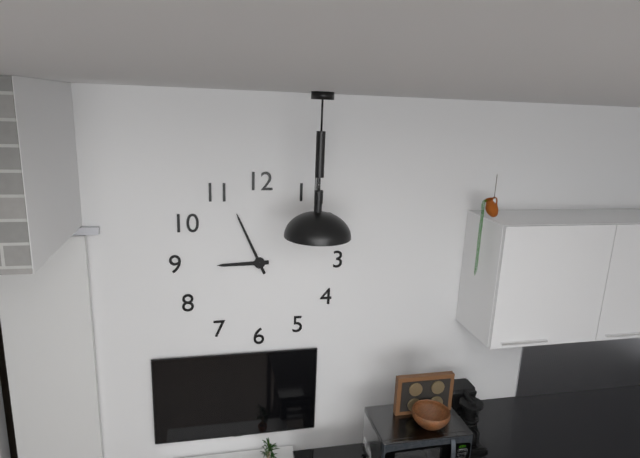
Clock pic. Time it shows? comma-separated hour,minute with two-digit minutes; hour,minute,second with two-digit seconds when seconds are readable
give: 8,56
